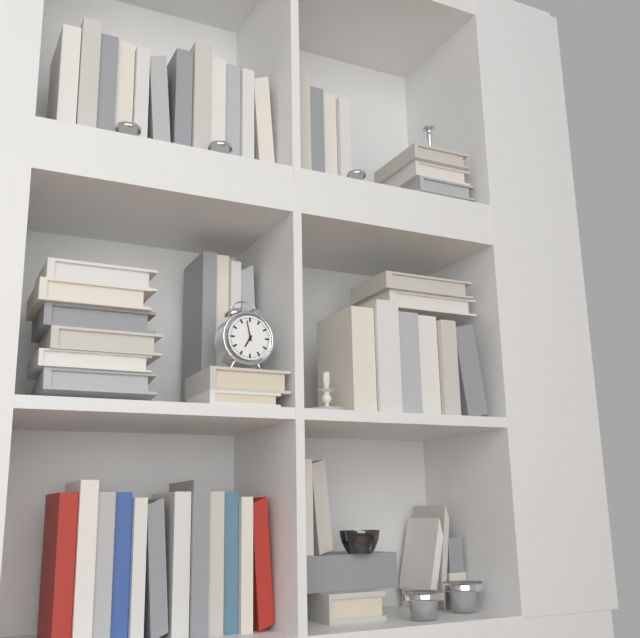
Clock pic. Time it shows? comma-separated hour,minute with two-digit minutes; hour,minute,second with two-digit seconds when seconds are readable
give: 6,58
